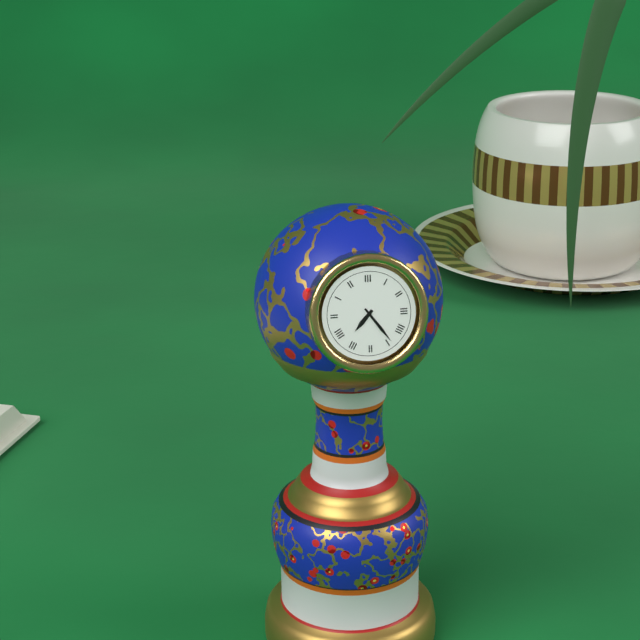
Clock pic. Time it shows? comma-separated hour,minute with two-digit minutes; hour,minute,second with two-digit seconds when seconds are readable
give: 7,24
